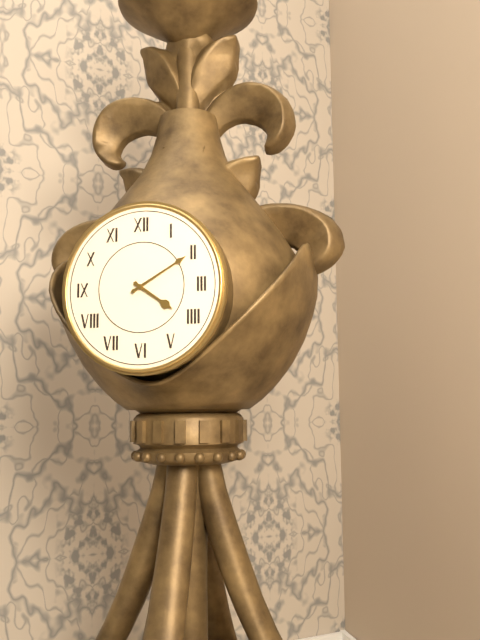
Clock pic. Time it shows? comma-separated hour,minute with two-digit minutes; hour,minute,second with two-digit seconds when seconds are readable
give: 4,10
